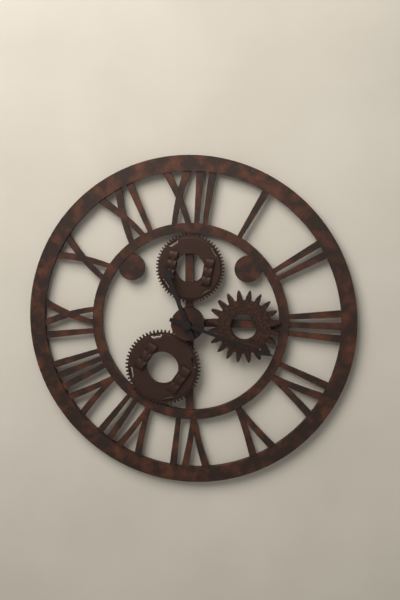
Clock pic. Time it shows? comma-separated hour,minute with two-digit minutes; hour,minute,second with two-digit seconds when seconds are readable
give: 11,18
